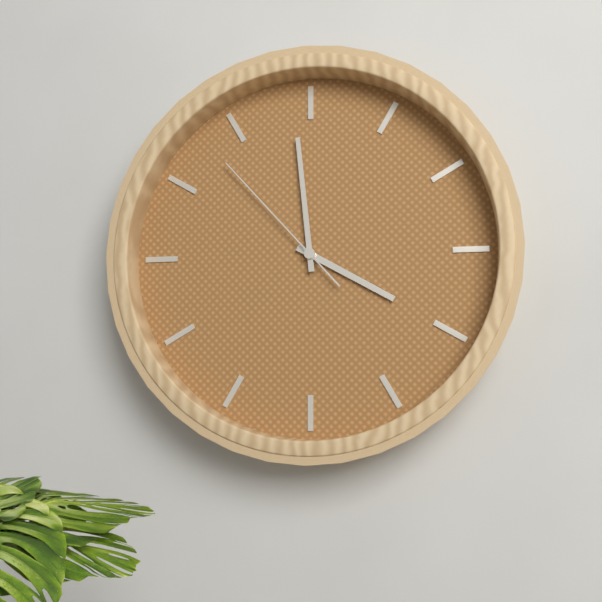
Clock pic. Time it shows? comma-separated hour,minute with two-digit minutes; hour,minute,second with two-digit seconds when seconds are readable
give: 3,59,53
